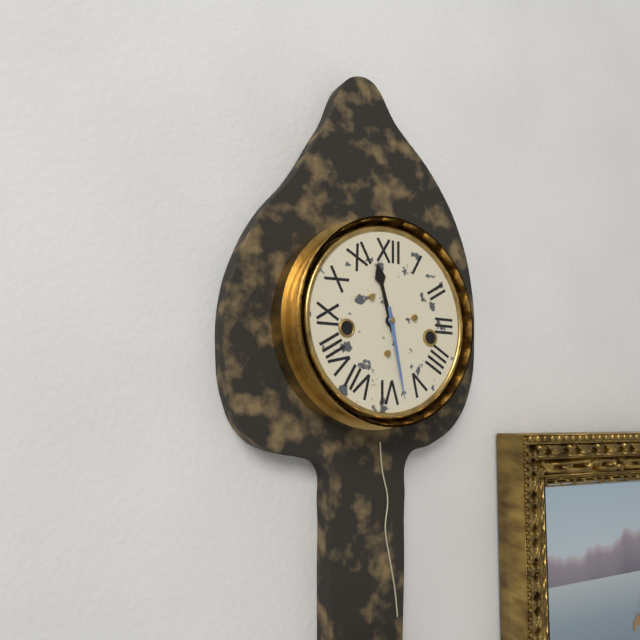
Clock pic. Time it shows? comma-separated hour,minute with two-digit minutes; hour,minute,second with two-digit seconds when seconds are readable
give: 11,28
